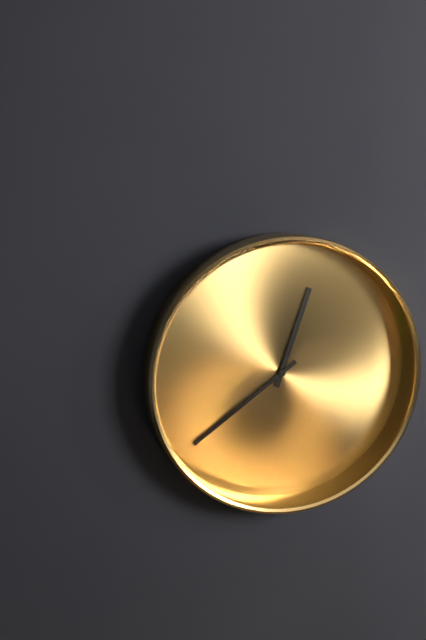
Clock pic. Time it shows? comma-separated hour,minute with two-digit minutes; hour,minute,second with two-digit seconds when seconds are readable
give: 12,39
